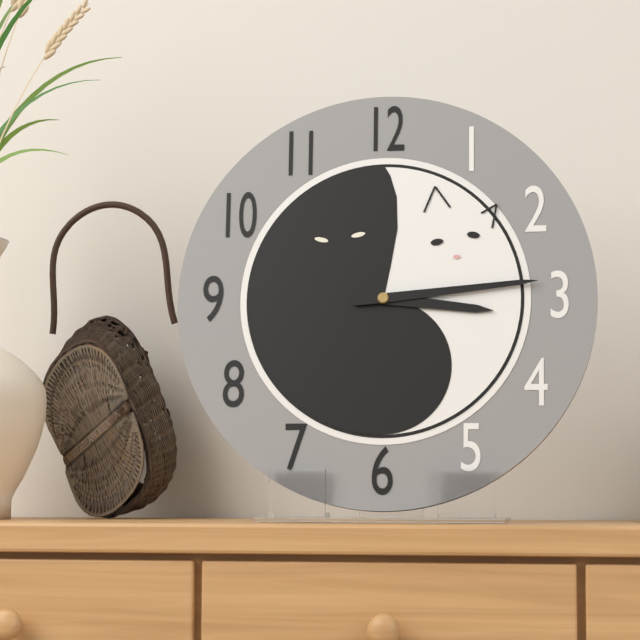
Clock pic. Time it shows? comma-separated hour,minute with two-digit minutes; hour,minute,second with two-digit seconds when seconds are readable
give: 3,14
